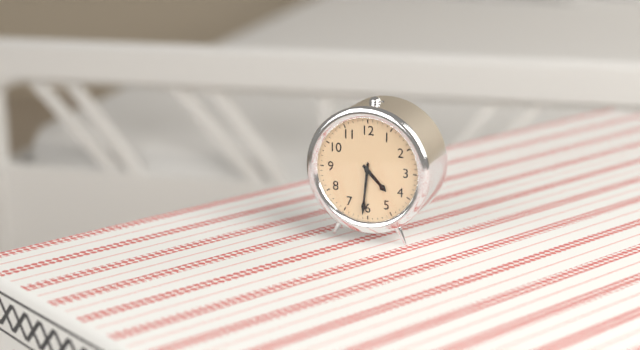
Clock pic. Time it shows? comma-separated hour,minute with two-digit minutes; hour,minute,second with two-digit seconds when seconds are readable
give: 4,31
